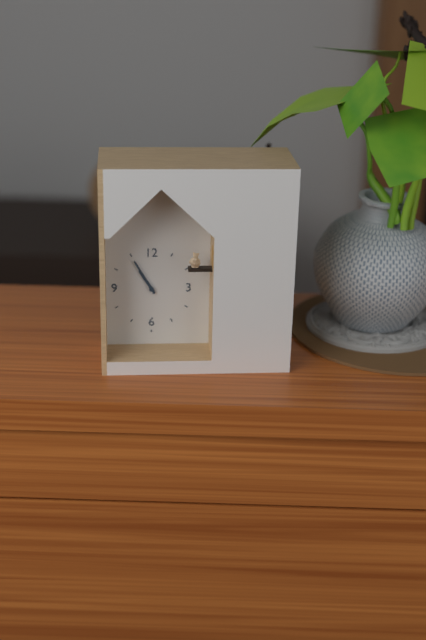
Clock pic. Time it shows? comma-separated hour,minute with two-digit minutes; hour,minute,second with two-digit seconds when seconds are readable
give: 10,55
